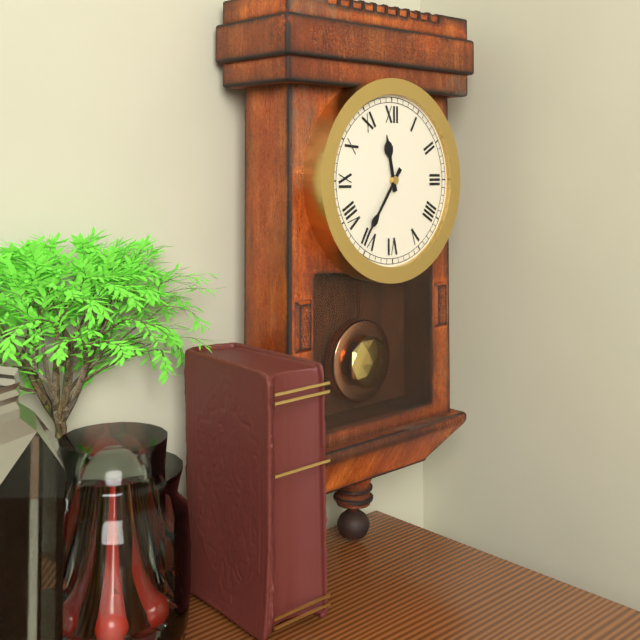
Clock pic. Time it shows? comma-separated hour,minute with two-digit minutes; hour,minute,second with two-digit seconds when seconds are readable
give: 11,36
